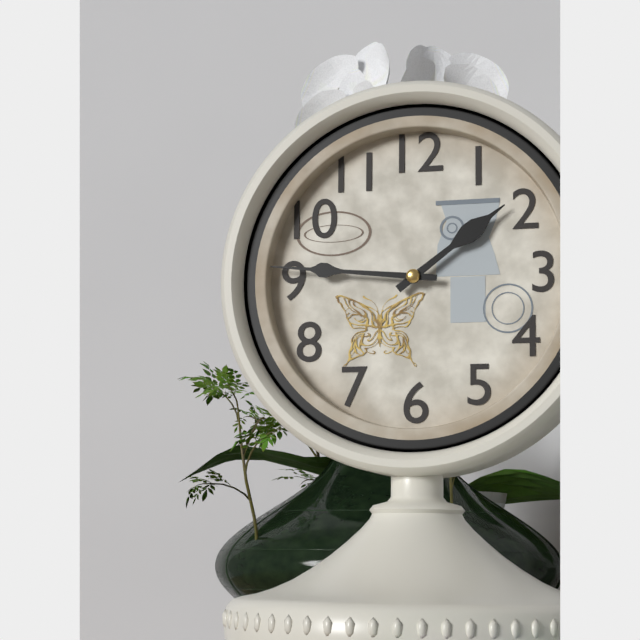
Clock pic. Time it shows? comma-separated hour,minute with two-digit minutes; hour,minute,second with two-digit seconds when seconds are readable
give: 1,46
